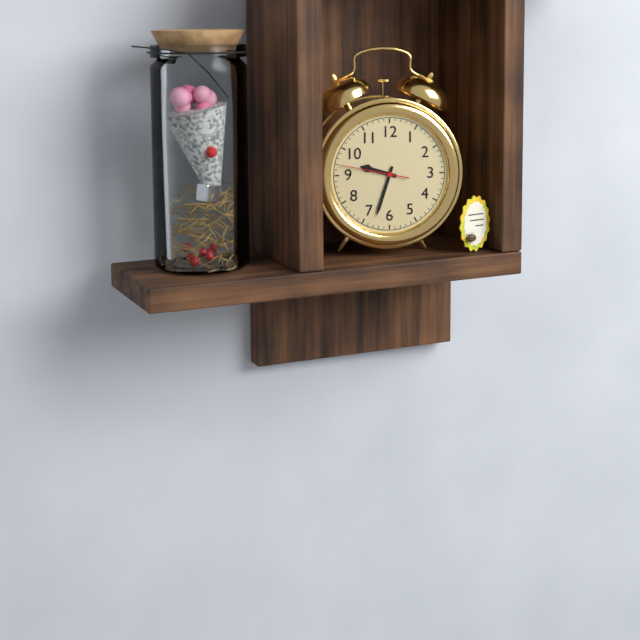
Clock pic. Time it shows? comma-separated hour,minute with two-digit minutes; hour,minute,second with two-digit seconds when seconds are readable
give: 9,33,47
